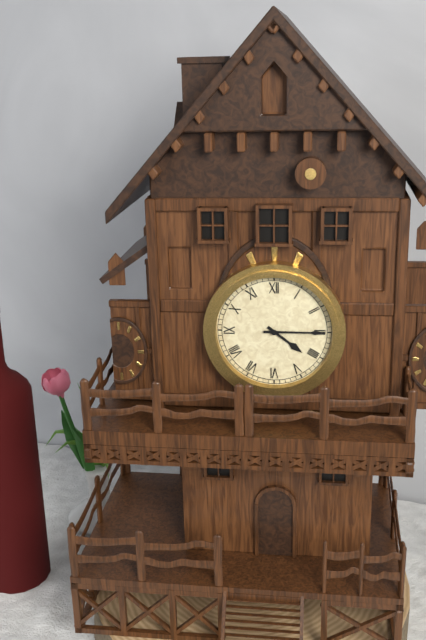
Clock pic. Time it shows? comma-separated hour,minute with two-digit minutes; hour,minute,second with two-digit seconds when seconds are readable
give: 4,15
